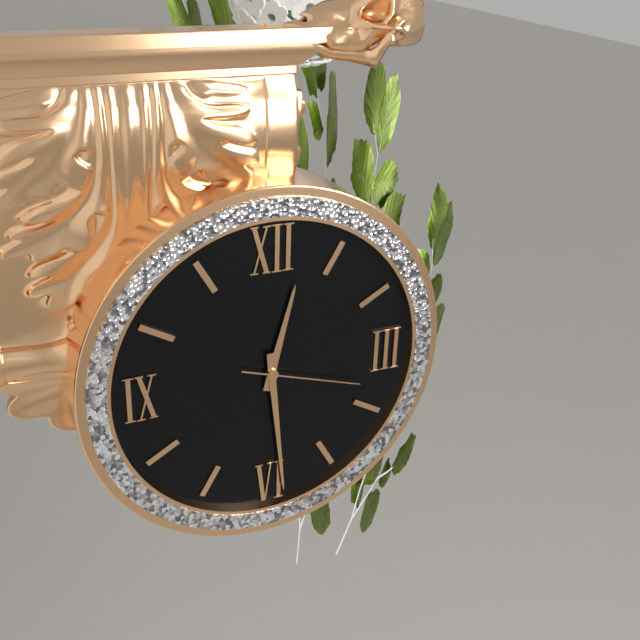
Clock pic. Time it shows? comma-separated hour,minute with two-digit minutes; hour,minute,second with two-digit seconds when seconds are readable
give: 12,29,18
